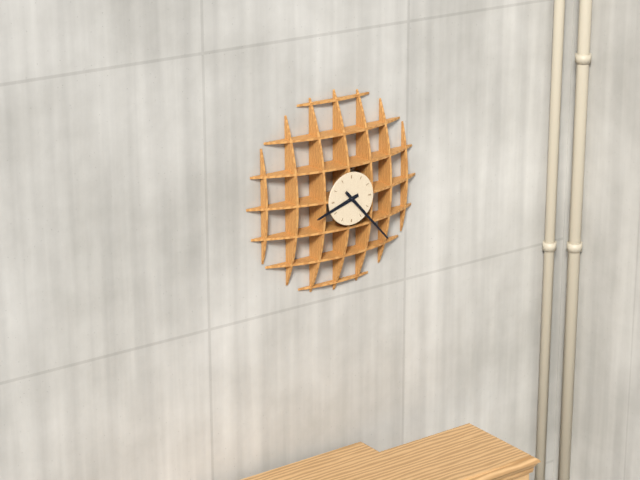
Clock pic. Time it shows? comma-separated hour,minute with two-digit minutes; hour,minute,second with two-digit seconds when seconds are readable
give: 8,23
